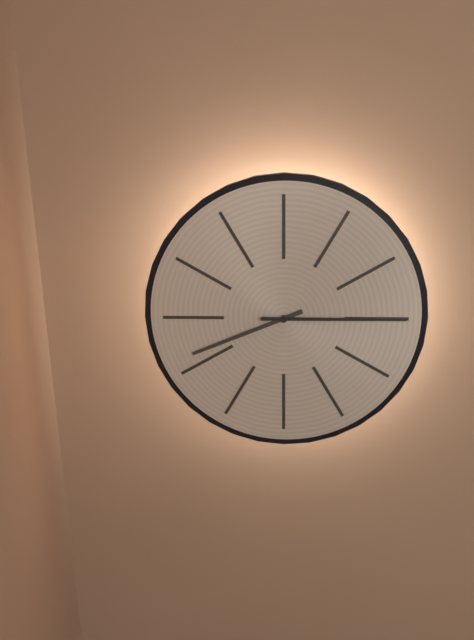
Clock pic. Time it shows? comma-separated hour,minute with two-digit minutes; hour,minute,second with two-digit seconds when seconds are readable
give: 8,15
